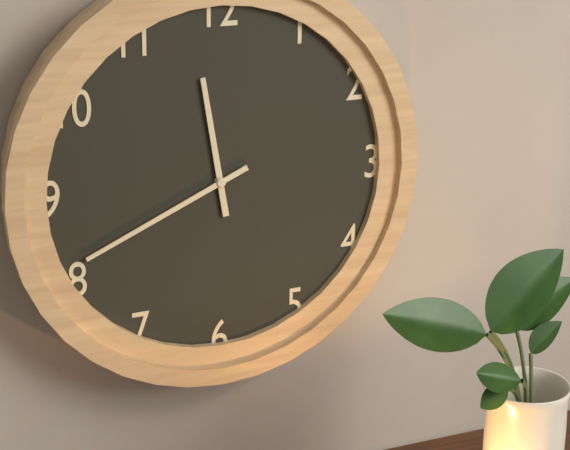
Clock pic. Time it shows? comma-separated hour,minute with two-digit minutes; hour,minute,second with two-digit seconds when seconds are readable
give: 11,41
